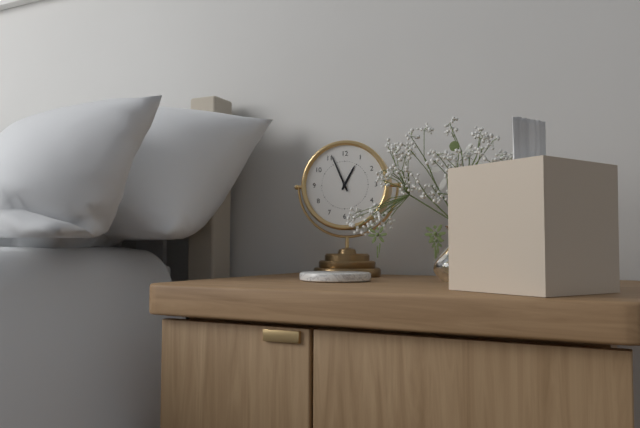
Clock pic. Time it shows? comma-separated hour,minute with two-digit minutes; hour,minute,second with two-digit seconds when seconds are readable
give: 12,56
